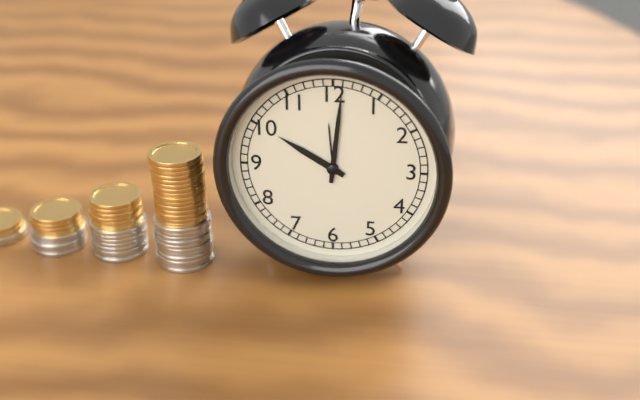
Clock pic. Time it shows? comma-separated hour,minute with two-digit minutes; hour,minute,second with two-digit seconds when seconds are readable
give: 10,01
